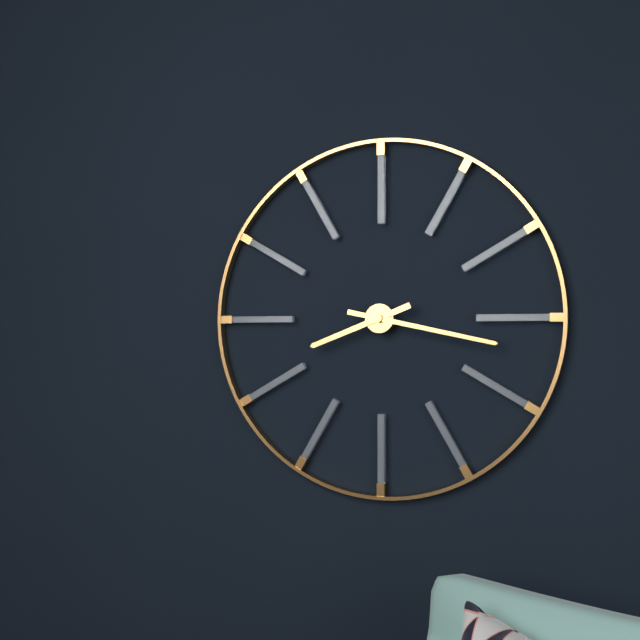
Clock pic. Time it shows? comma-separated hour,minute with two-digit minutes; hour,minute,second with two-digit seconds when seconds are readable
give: 8,17
